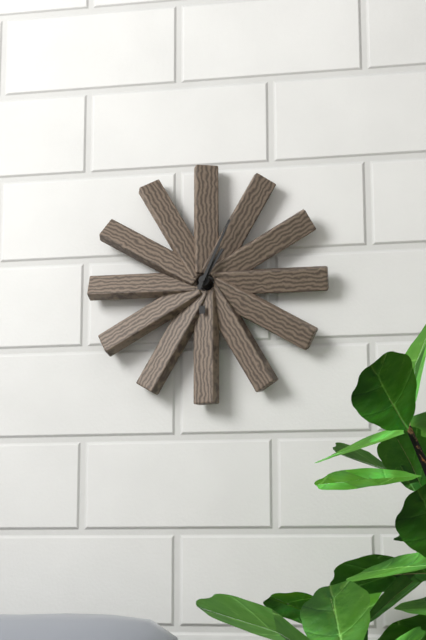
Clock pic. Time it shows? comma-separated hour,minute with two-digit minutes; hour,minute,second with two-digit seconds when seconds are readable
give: 1,04
